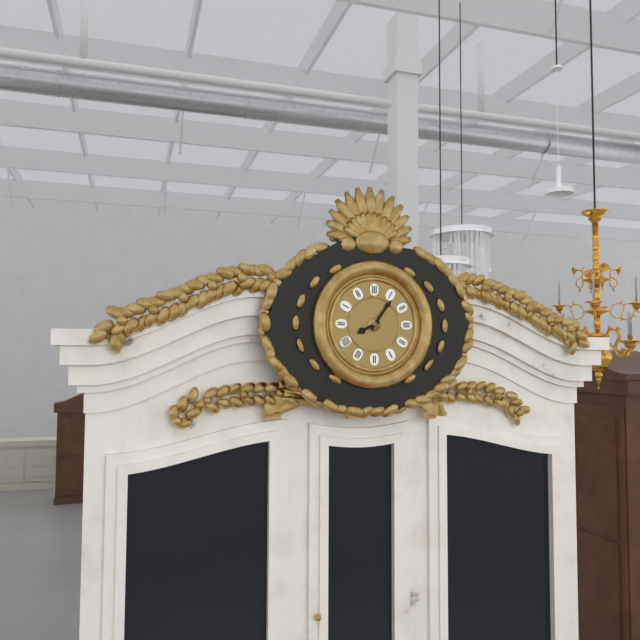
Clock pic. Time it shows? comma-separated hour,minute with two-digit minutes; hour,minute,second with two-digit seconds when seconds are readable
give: 8,06
